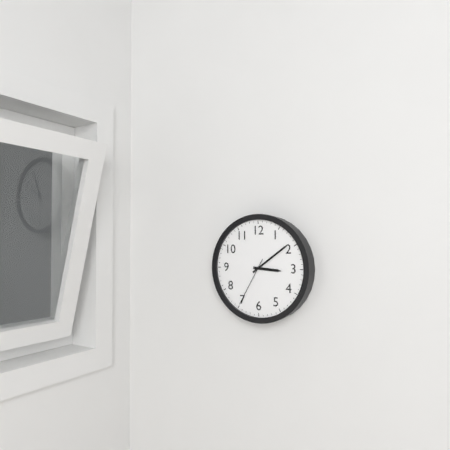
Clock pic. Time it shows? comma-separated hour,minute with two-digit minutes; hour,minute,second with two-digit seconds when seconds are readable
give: 3,09,35
